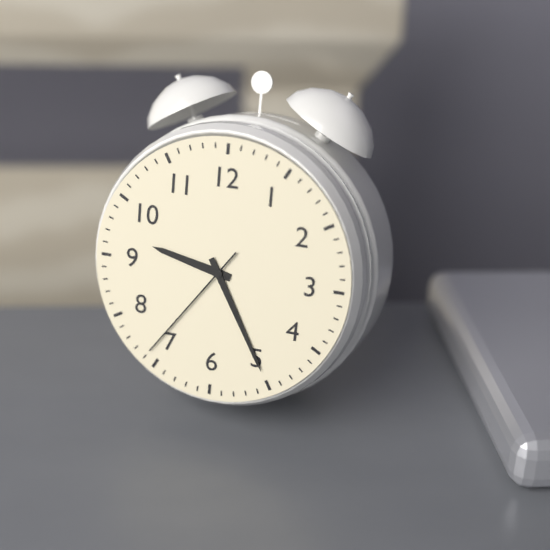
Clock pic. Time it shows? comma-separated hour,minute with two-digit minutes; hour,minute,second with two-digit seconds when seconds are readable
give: 9,25,36
